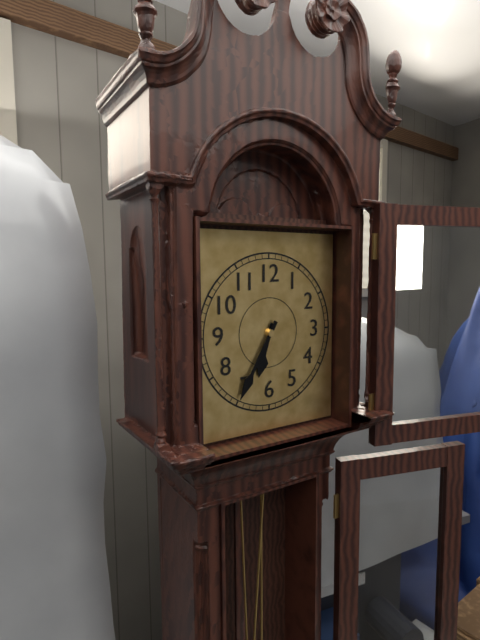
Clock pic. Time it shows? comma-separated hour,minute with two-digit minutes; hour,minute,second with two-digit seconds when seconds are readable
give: 6,35
